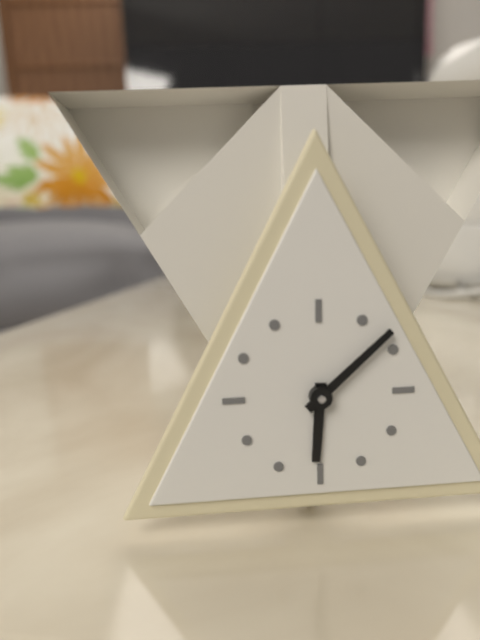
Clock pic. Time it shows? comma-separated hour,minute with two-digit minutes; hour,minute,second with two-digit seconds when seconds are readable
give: 6,08
